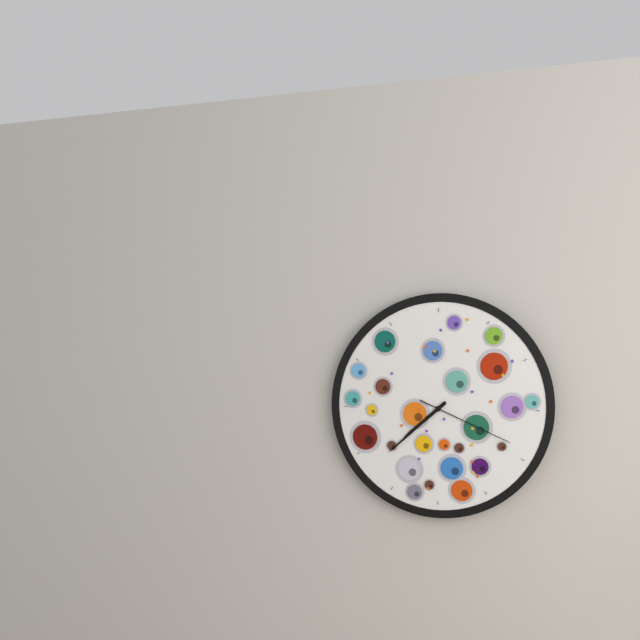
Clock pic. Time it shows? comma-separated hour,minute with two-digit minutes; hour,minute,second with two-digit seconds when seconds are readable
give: 7,38,19
